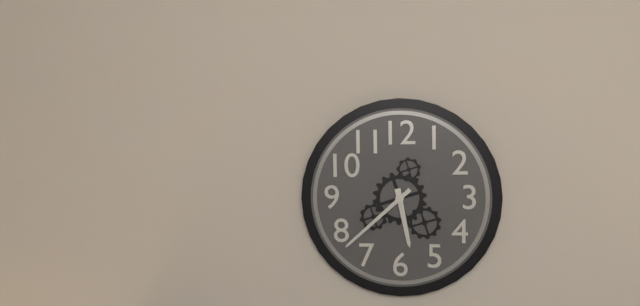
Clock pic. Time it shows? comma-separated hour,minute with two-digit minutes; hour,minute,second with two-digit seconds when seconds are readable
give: 5,38
